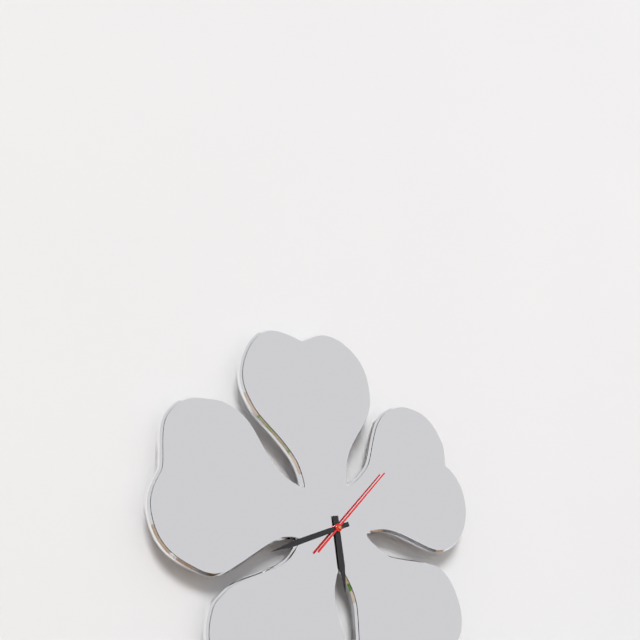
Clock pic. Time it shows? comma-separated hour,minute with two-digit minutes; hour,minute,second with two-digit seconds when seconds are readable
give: 5,41,07
